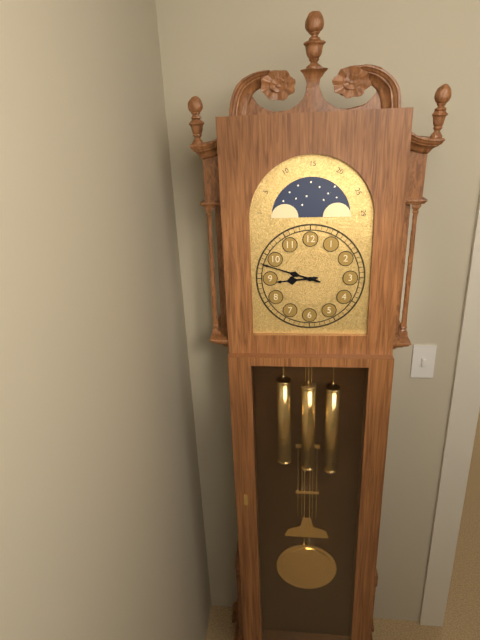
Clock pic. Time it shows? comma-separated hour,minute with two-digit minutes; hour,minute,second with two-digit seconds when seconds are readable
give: 8,48
